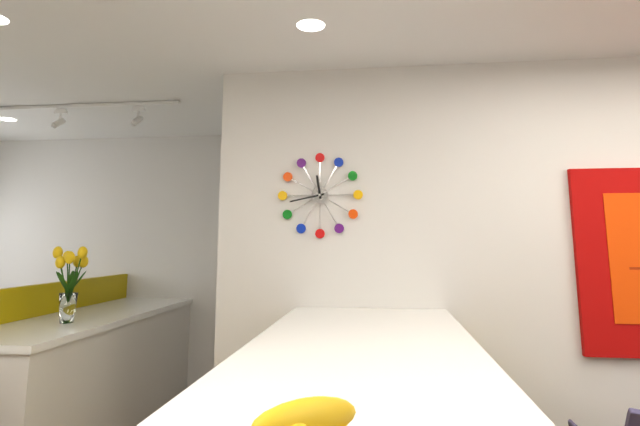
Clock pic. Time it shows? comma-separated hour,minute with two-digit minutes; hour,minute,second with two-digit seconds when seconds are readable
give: 11,43
